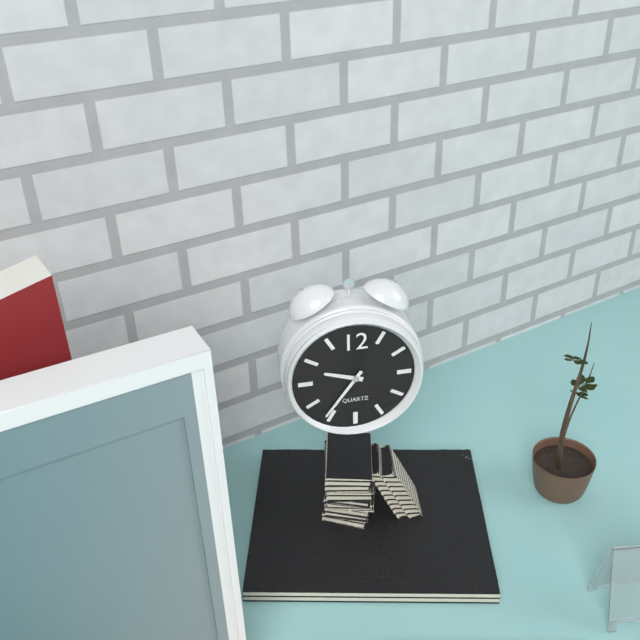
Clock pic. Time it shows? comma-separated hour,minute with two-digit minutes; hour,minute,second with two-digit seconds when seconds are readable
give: 9,36
